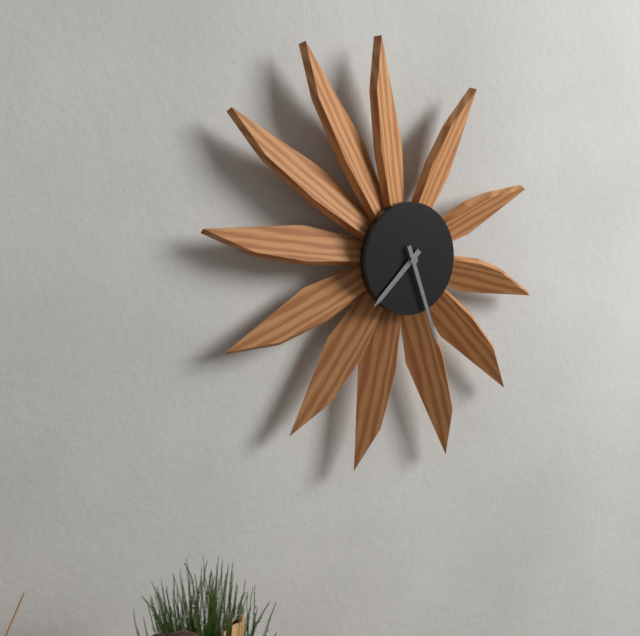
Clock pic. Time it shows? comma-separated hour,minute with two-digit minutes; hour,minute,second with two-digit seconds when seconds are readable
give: 7,27
